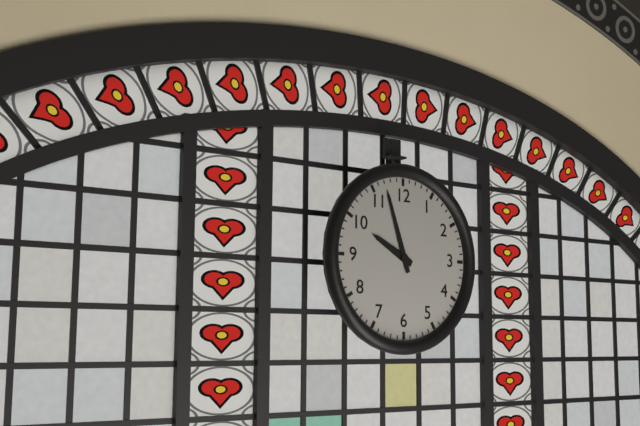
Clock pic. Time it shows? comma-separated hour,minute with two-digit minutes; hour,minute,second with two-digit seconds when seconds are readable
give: 9,57
